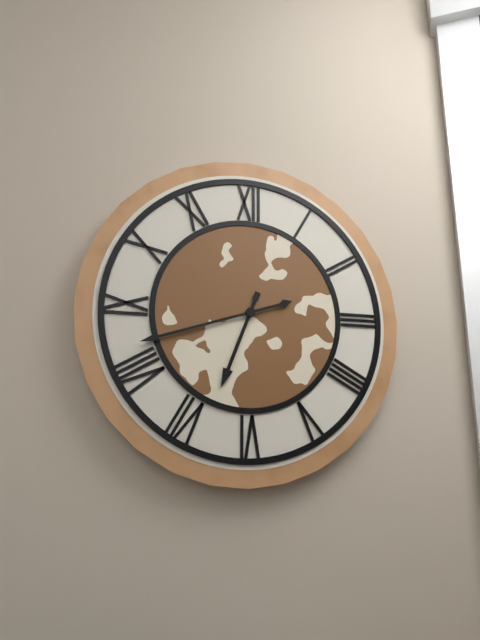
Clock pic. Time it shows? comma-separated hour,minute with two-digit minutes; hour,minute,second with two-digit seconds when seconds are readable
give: 6,42
